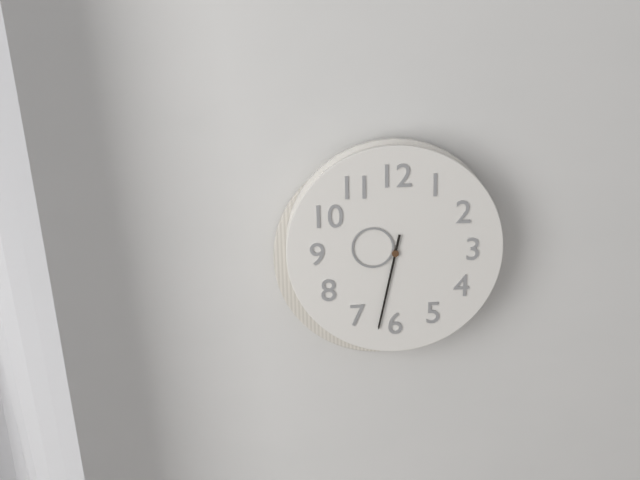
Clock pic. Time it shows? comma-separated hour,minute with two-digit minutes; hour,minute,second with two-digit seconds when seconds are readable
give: 9,32
